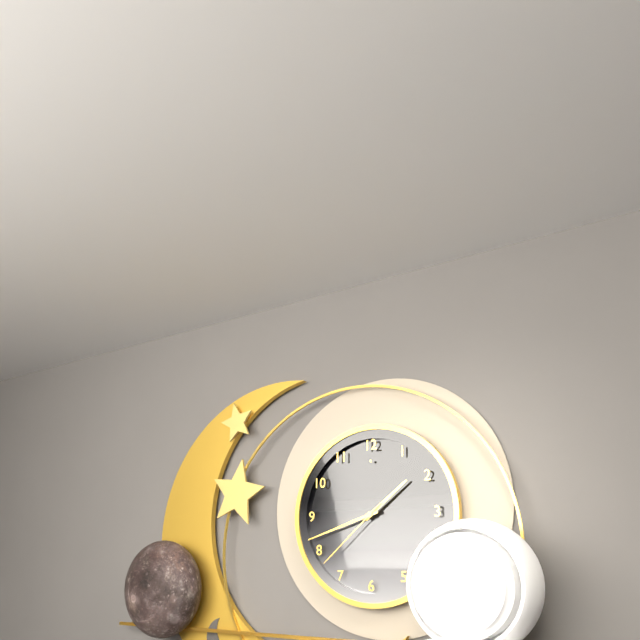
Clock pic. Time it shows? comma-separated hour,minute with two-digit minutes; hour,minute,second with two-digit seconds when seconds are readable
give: 1,42,38
